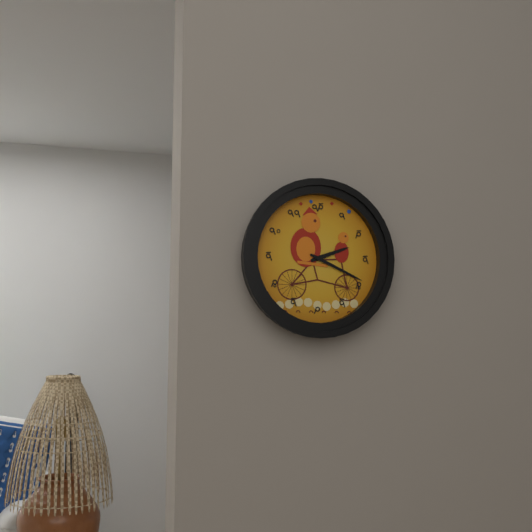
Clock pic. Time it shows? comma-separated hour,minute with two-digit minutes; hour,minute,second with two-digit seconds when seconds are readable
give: 2,19
